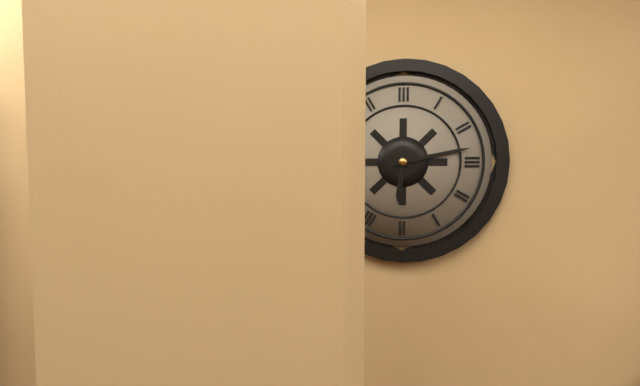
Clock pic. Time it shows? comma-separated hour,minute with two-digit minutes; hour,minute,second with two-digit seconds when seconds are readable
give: 6,13
